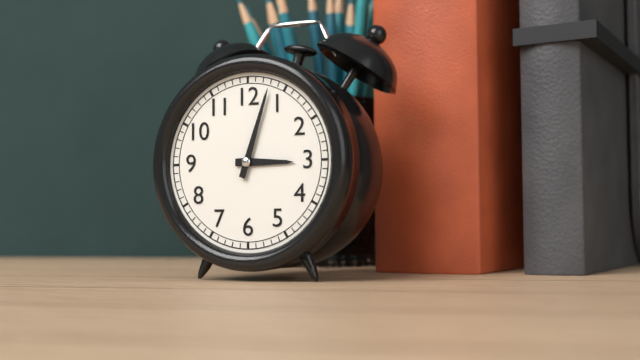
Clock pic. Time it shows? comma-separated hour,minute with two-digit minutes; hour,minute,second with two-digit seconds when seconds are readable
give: 3,03
